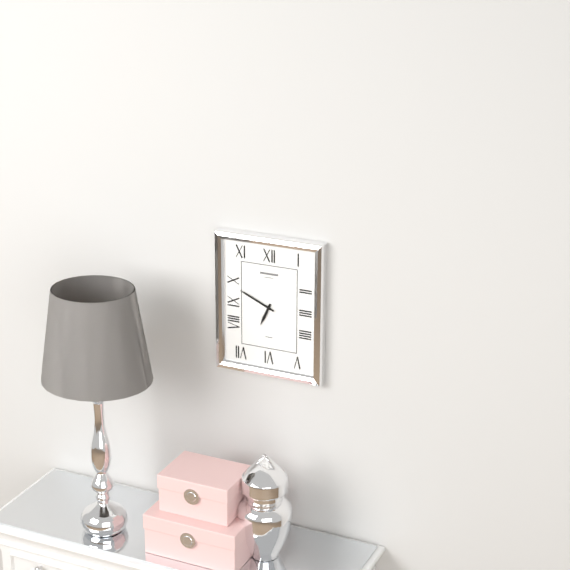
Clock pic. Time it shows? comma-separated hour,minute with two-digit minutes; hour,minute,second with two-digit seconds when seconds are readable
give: 6,49
